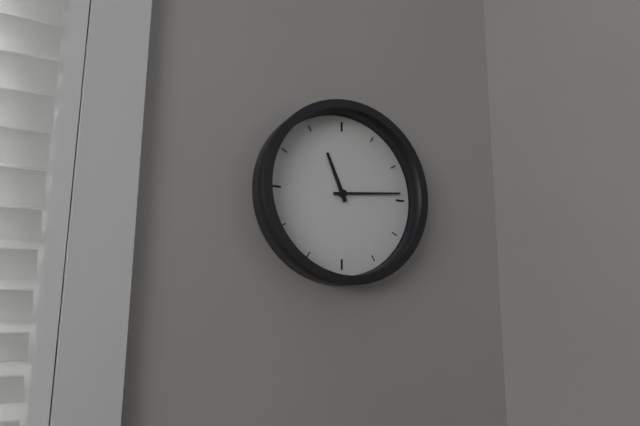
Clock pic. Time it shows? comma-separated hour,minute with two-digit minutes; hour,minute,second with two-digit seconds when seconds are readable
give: 11,14
